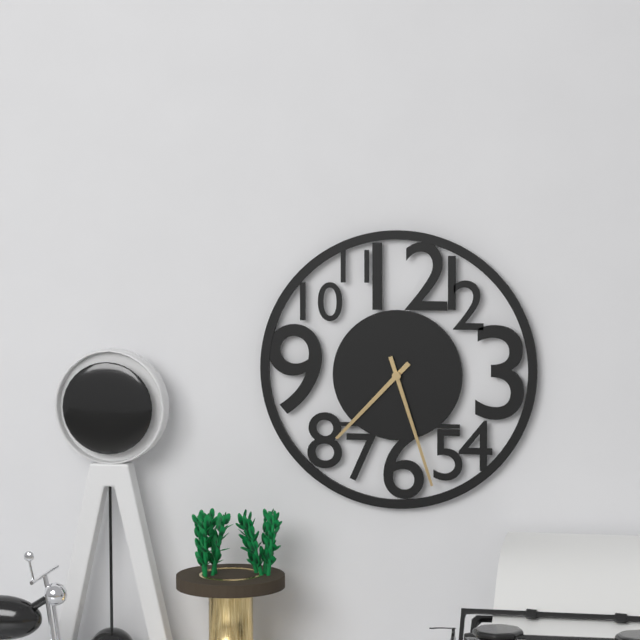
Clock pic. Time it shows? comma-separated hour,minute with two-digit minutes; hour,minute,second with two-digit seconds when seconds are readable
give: 7,27
